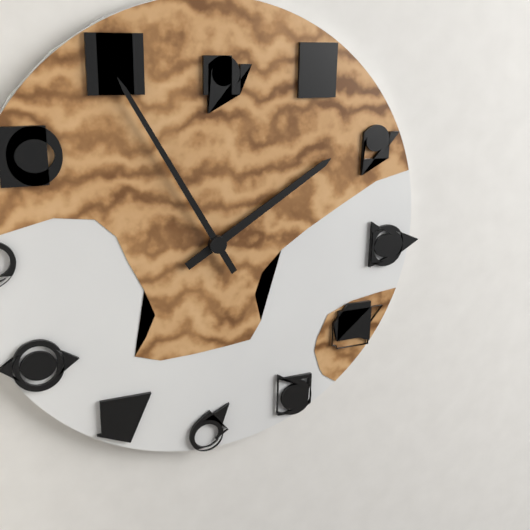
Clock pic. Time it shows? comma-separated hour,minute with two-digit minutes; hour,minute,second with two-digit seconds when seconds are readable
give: 1,55
